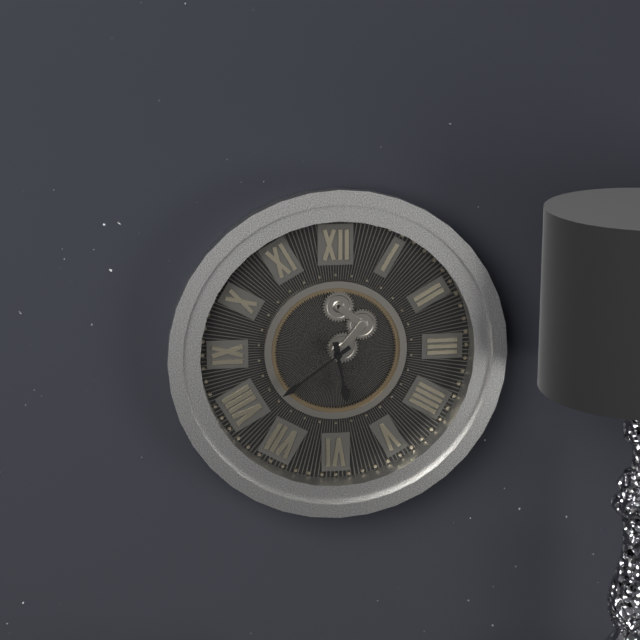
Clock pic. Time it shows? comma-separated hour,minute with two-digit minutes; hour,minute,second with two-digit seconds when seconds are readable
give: 5,39
